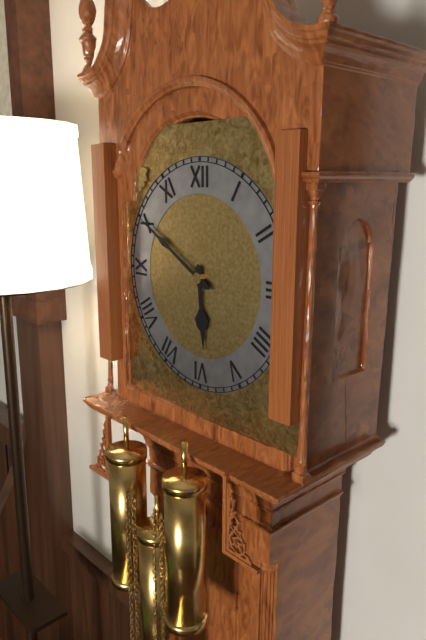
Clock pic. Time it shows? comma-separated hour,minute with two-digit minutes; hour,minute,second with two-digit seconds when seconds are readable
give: 5,50
